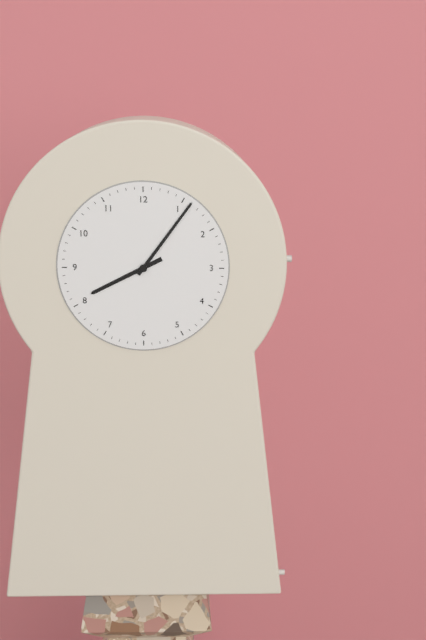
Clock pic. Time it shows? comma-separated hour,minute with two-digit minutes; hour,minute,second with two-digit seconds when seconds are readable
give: 8,06
